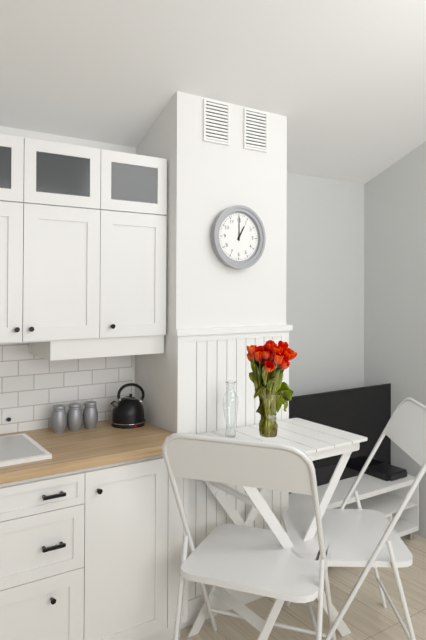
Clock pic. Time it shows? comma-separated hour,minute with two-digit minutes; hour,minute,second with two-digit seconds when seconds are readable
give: 1,00
